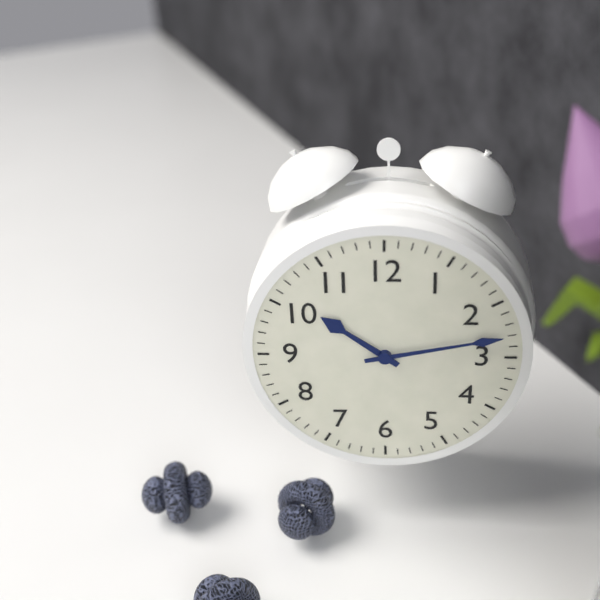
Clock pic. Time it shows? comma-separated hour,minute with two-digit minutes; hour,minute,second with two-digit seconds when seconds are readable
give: 10,13
